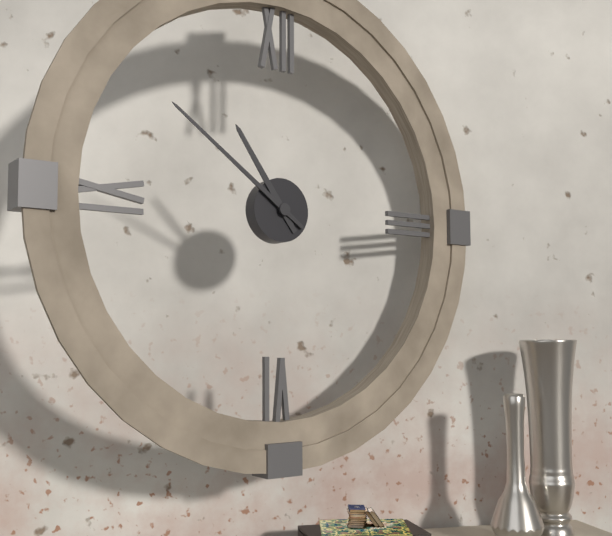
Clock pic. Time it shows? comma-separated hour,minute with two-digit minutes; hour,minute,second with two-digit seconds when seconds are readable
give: 10,51
